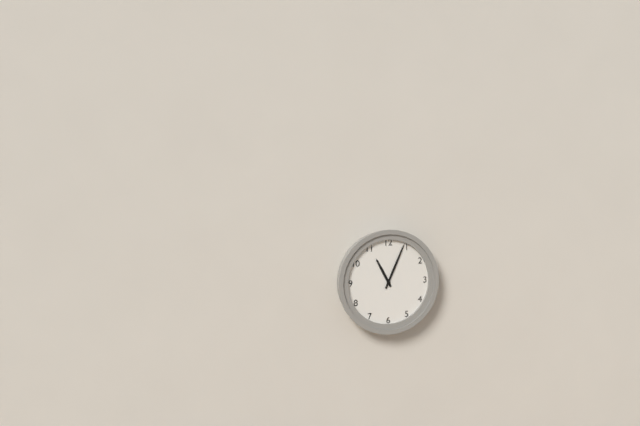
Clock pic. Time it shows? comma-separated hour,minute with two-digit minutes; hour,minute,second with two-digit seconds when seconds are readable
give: 11,04
